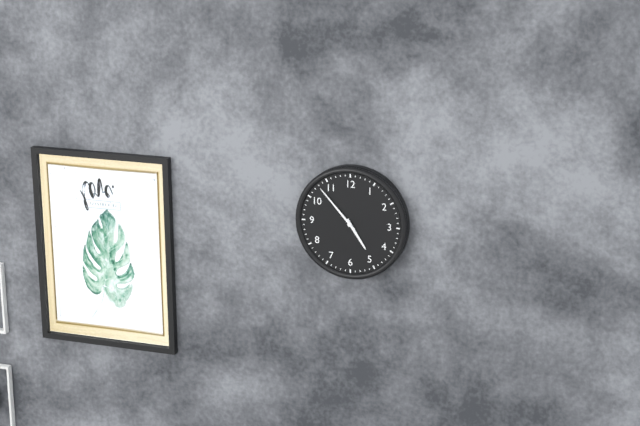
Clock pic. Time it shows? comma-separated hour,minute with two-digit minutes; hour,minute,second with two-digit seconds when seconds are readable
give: 4,53
